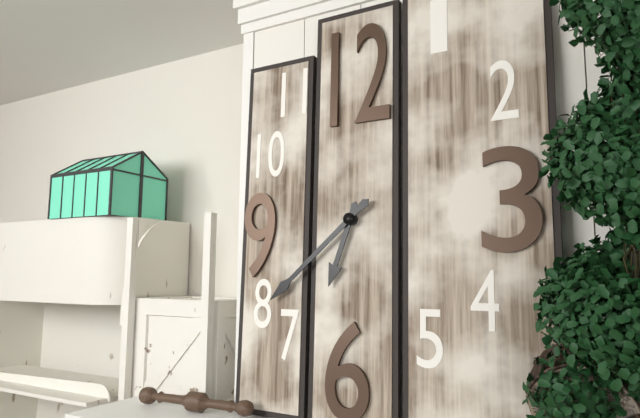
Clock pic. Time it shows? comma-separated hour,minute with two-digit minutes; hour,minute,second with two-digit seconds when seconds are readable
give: 6,38
